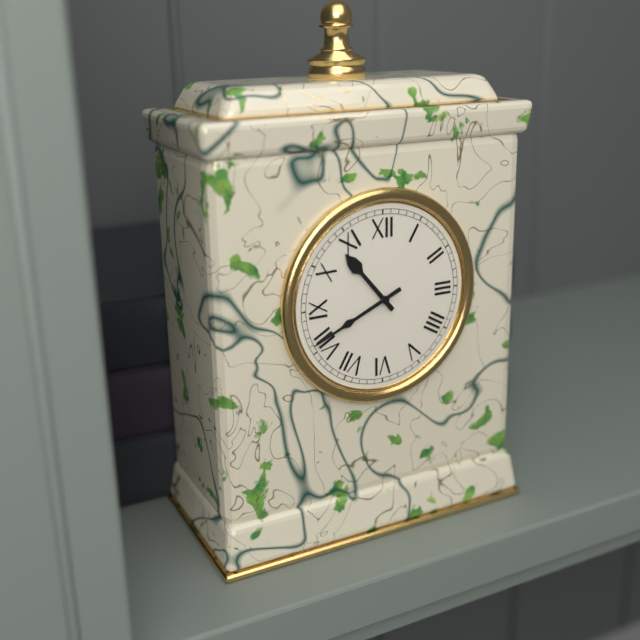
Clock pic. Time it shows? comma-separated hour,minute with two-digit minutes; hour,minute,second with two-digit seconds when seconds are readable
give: 10,41
